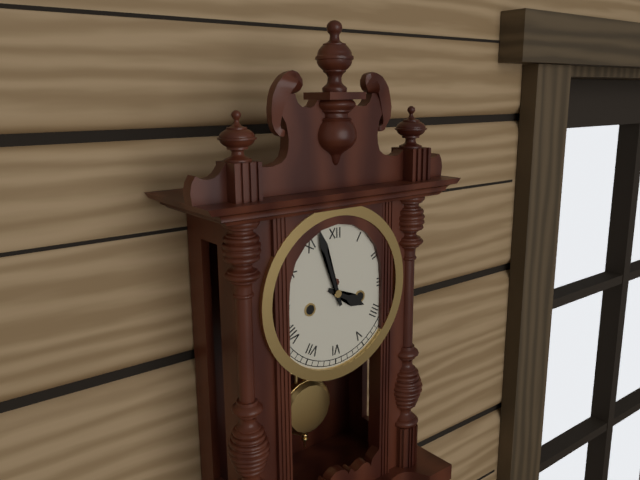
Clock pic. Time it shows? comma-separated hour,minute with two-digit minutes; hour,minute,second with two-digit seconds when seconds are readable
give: 3,57
